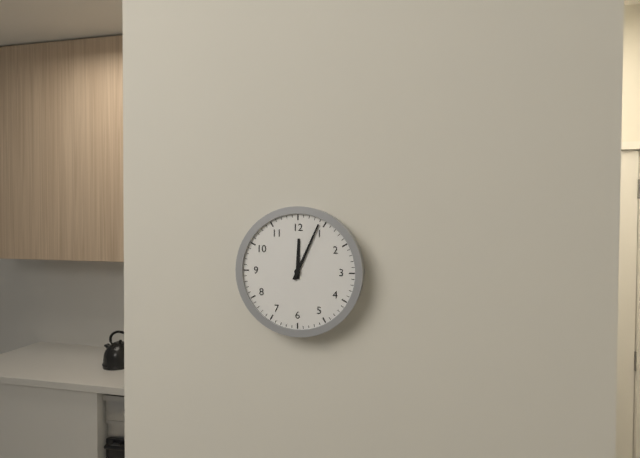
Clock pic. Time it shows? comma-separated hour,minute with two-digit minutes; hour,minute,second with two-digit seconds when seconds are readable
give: 12,04
